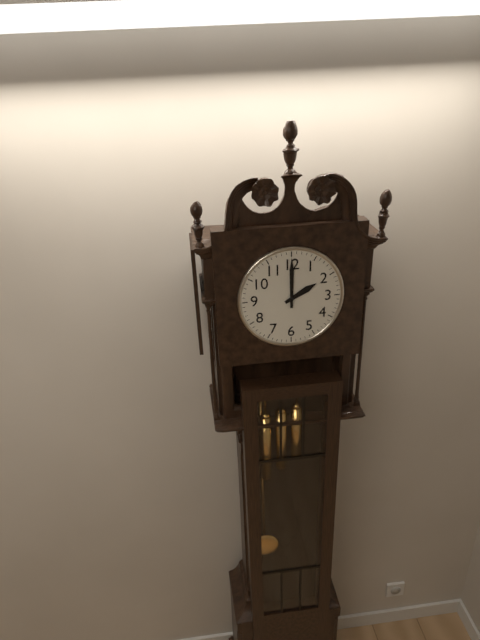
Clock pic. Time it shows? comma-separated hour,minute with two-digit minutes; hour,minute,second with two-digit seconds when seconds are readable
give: 2,00
